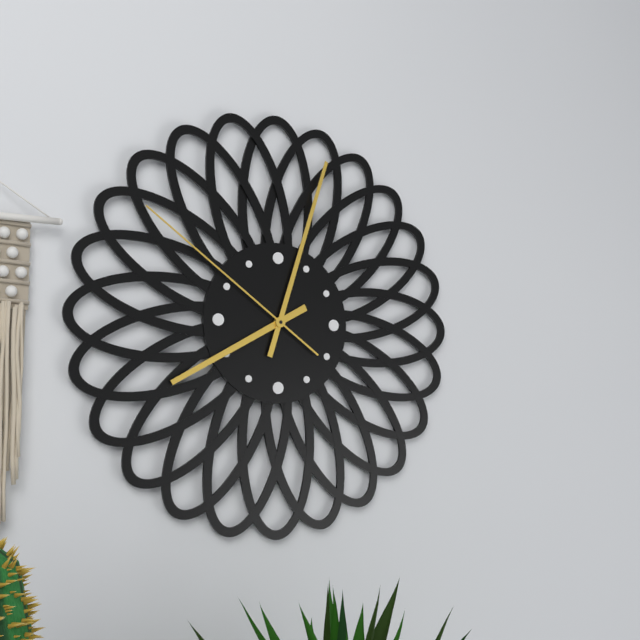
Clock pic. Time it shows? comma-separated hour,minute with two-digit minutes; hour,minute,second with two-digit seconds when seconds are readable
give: 8,03,51
